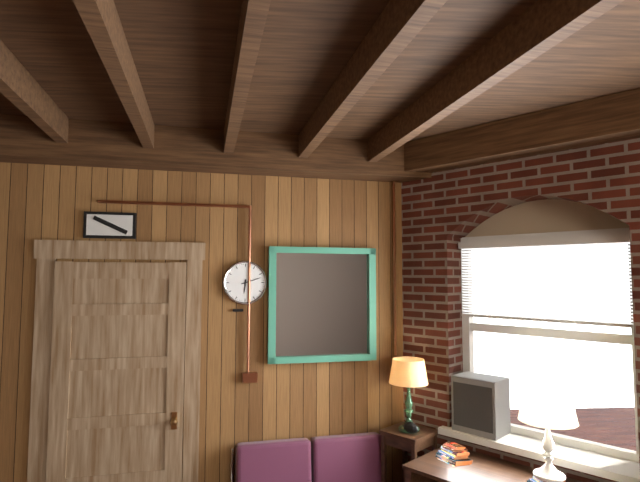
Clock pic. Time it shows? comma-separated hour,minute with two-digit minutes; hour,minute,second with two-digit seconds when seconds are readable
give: 6,12
